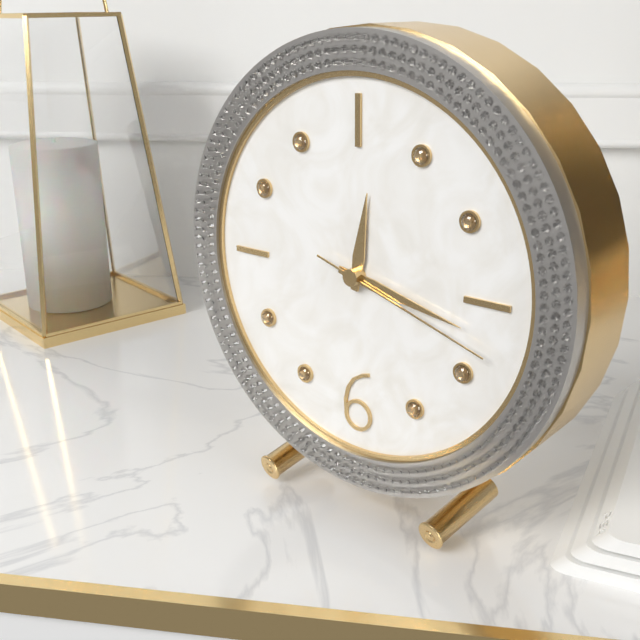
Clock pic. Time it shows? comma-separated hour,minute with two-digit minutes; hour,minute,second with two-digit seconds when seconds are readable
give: 12,17,18
